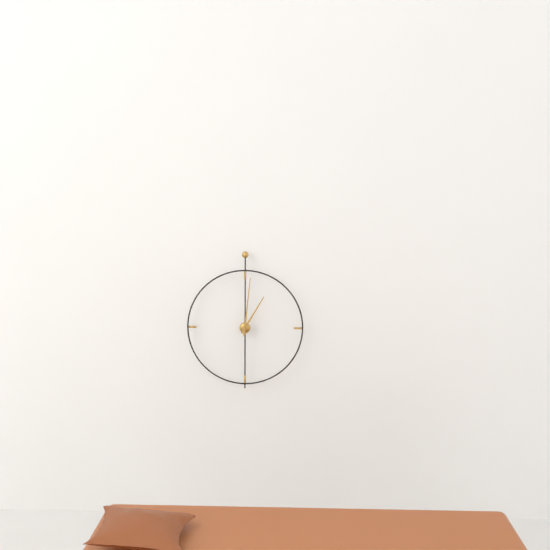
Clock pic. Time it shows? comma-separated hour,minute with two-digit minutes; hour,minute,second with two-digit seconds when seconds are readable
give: 1,01
